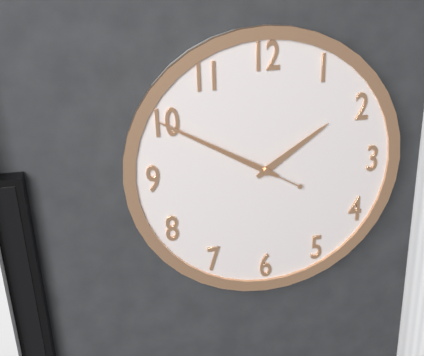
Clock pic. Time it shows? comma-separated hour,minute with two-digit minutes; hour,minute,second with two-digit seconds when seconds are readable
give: 1,50,50
